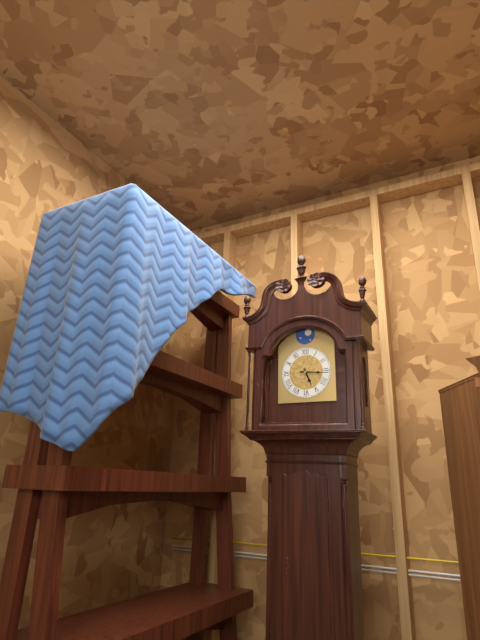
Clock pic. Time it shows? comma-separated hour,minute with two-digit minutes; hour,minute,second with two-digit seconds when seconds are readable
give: 5,16
